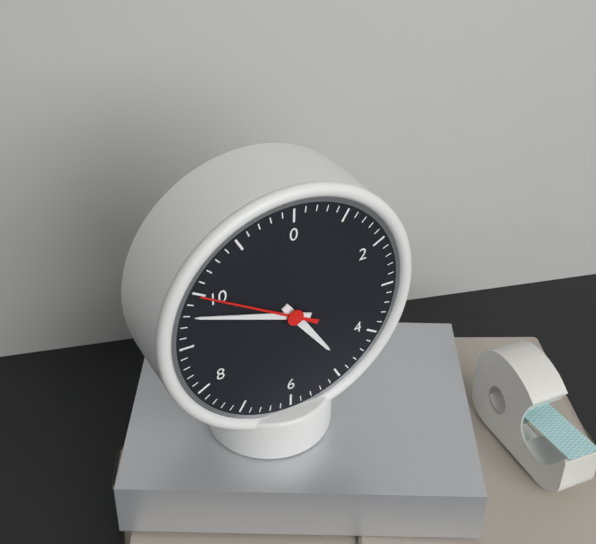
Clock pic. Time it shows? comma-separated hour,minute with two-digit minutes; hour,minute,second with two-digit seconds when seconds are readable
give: 4,48,50
